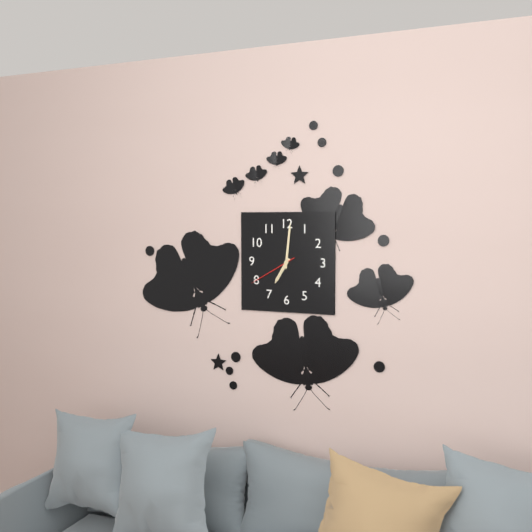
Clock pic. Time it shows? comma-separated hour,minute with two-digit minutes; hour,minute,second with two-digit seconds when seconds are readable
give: 7,01,40
